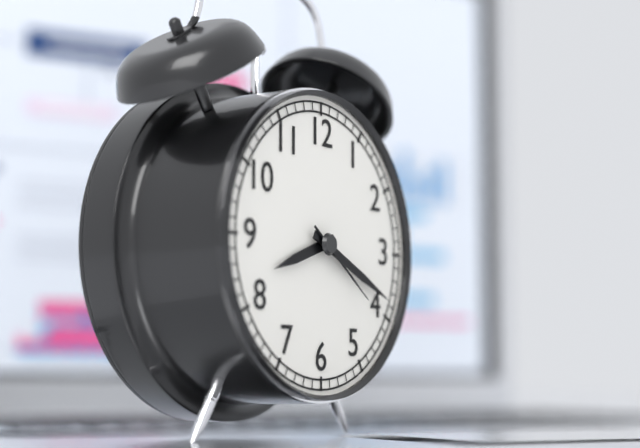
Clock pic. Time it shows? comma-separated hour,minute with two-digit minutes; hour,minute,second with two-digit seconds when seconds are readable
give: 8,19,21
